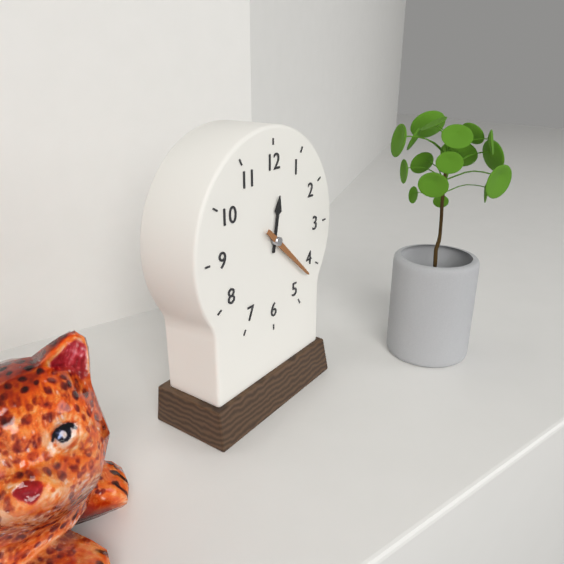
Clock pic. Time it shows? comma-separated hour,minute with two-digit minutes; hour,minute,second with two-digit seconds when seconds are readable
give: 12,22
